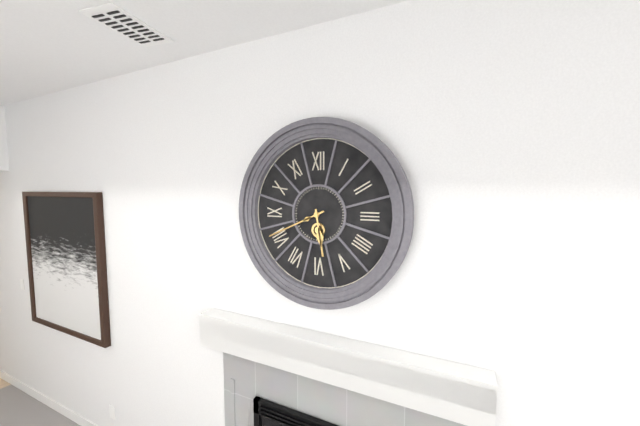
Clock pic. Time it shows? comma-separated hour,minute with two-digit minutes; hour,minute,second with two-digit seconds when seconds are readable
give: 5,41
